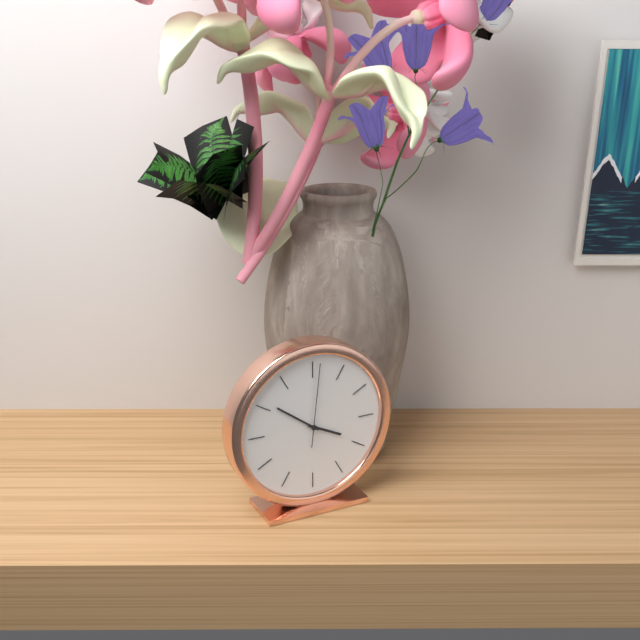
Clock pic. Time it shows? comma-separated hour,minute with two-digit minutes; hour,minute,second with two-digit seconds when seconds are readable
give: 3,51,01
